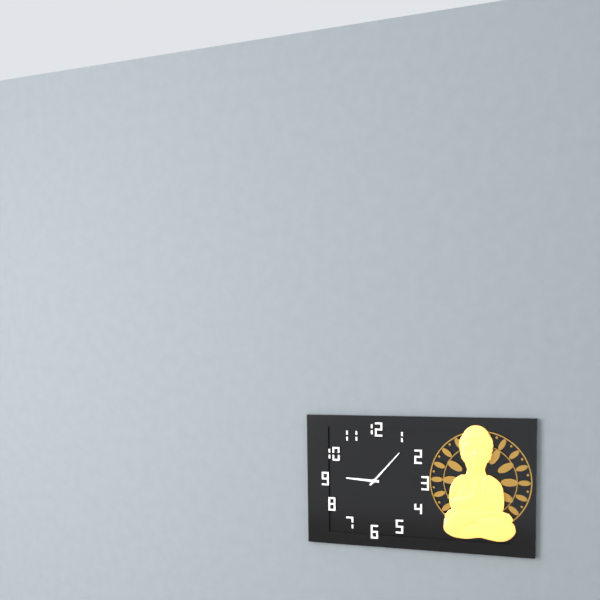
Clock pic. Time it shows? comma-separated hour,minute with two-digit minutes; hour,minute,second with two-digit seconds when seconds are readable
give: 9,07
